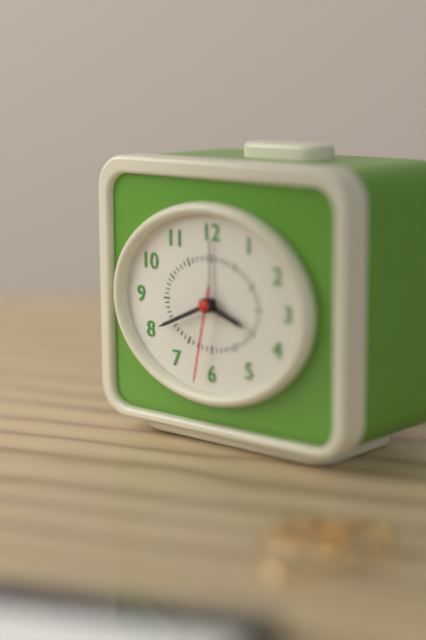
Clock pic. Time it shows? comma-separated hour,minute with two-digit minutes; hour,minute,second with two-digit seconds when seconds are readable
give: 3,41,32
